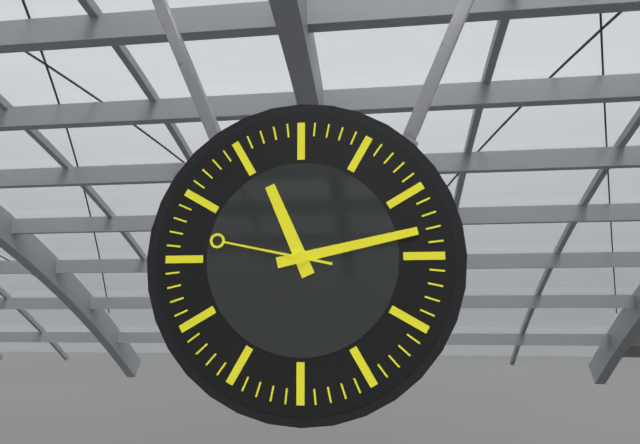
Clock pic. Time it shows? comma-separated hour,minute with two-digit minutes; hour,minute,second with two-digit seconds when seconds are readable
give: 11,13,47
